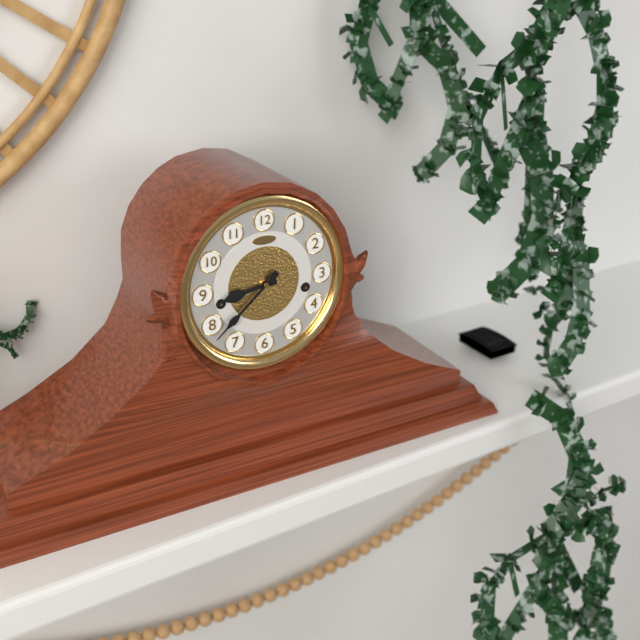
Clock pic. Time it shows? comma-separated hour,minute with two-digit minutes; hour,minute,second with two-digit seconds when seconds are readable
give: 8,38
